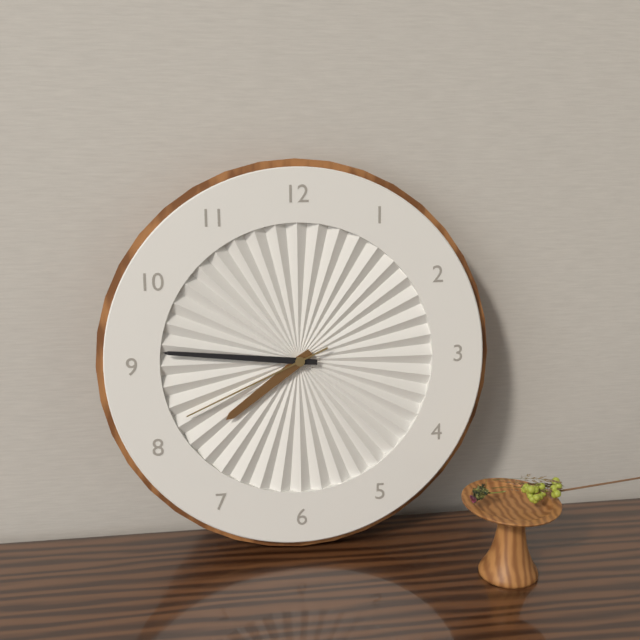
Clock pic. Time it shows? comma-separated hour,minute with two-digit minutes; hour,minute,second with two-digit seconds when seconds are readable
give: 7,46,41
